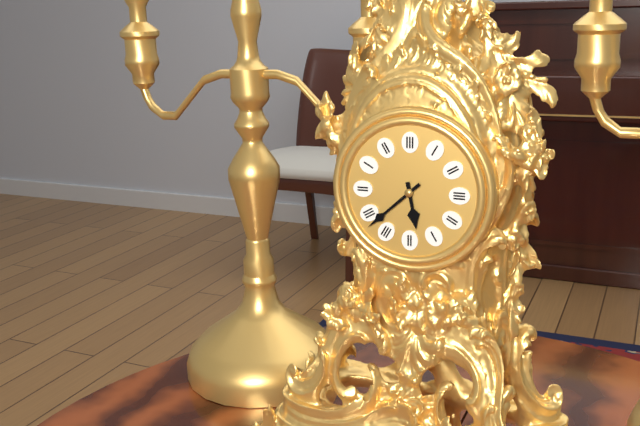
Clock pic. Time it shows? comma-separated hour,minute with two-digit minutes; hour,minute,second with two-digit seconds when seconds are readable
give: 5,38
